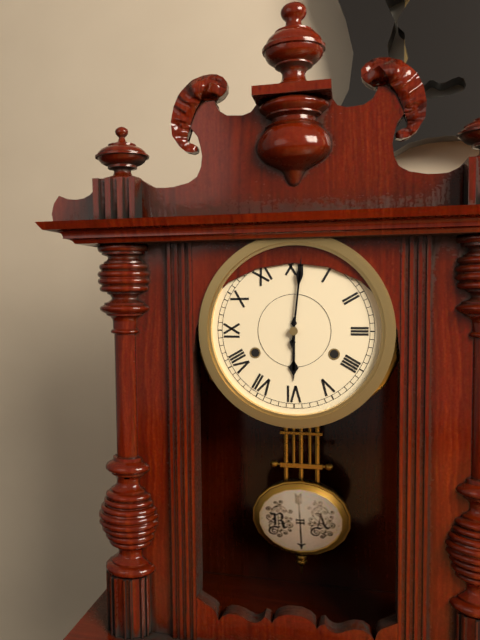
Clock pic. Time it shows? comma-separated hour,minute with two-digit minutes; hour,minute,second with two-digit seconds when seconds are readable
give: 6,01
